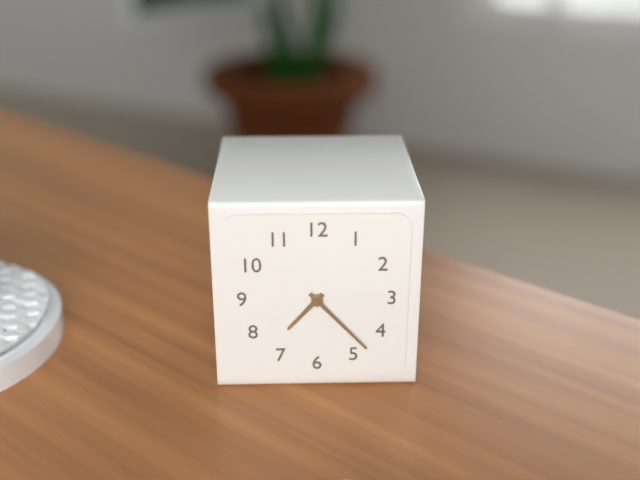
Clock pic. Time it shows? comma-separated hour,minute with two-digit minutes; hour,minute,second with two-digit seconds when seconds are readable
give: 7,23
